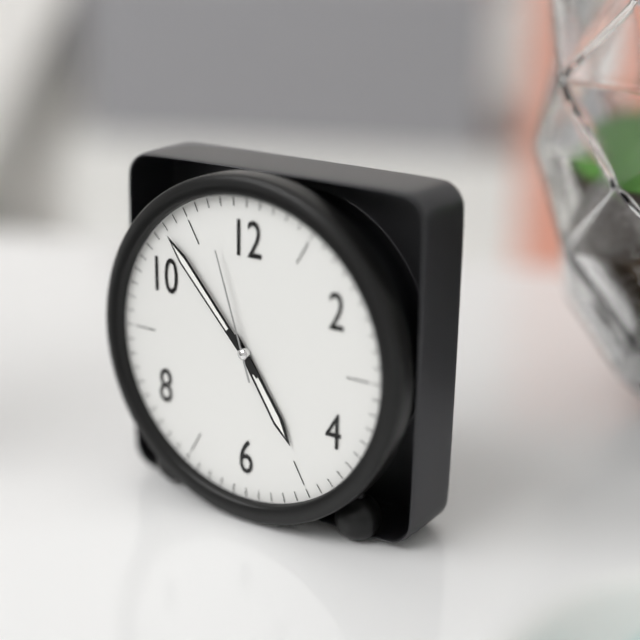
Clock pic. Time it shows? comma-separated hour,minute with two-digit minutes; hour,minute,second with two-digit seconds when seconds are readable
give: 4,53,57
